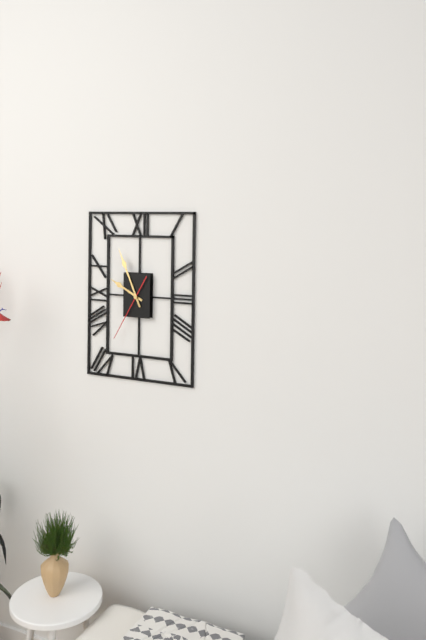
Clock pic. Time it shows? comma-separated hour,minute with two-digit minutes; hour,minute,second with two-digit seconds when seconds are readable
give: 9,56,35
